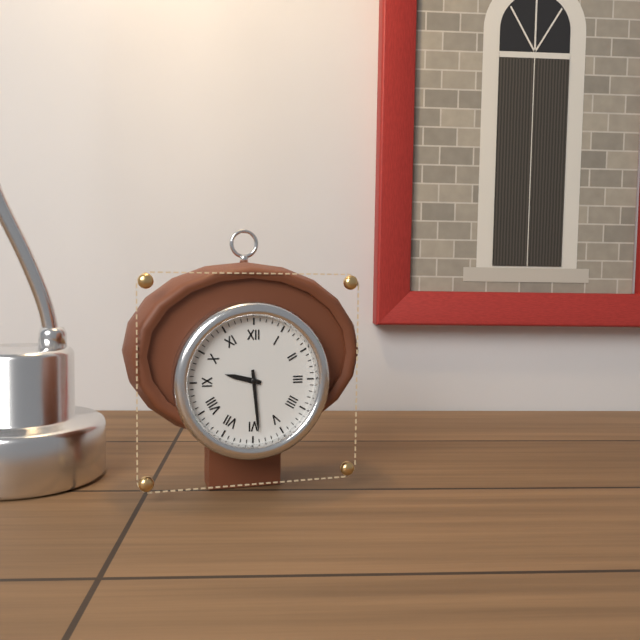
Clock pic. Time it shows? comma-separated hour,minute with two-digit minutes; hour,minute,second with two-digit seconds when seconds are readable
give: 9,29
